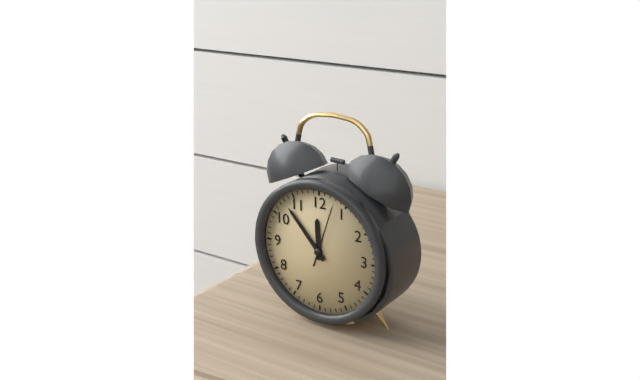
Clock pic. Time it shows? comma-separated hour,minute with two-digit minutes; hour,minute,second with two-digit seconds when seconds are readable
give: 11,53,03
